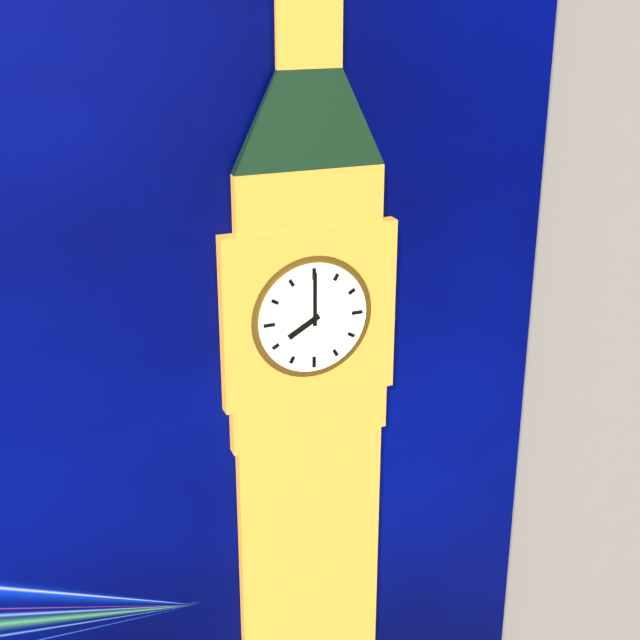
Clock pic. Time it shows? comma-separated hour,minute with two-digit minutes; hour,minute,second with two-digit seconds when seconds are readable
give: 8,00
